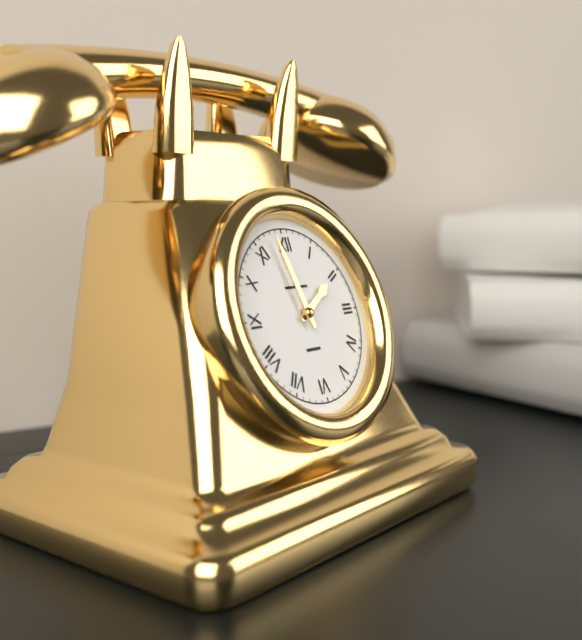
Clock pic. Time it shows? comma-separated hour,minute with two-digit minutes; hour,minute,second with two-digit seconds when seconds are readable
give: 1,58
